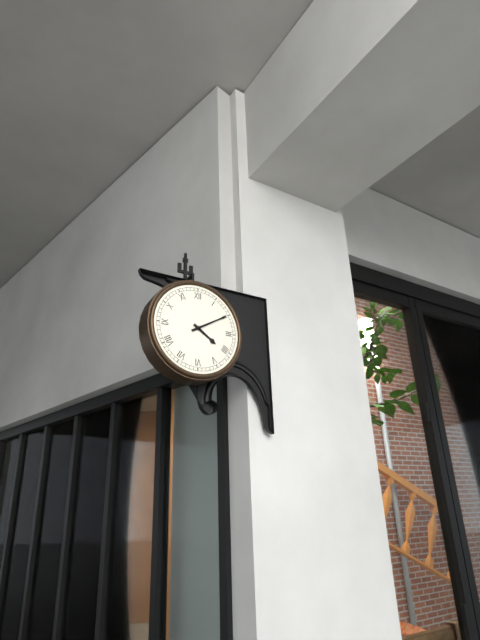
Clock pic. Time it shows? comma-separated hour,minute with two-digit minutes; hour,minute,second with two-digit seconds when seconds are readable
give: 4,10
